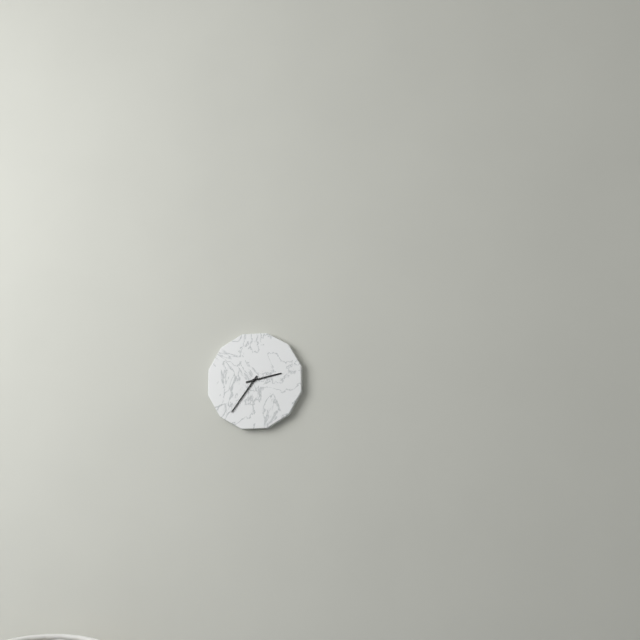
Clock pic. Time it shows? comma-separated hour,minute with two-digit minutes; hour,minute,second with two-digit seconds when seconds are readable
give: 2,36
